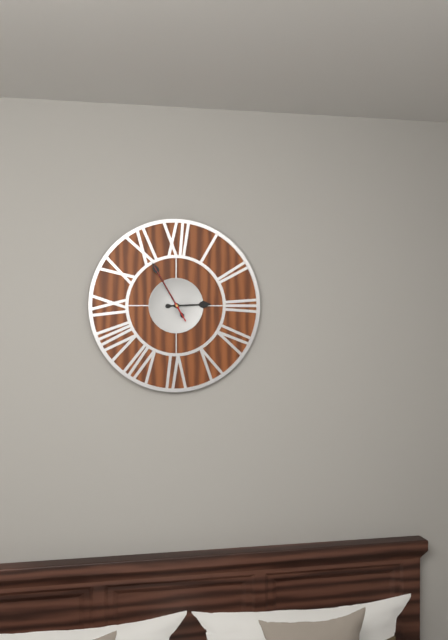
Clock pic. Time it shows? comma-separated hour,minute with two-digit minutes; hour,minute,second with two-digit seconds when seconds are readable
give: 2,55,55
